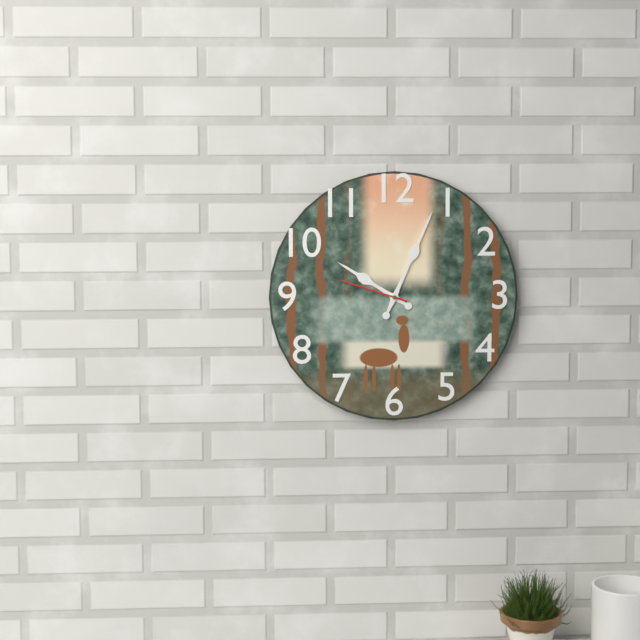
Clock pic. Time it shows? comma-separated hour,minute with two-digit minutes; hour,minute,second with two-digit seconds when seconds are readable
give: 10,04,48
